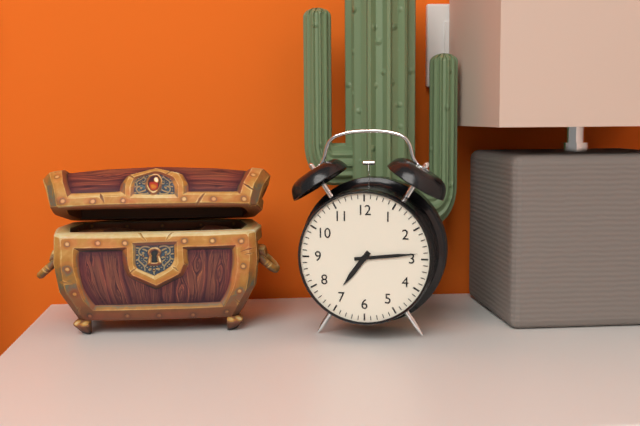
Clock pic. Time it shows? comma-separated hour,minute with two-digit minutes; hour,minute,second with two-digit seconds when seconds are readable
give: 7,14
